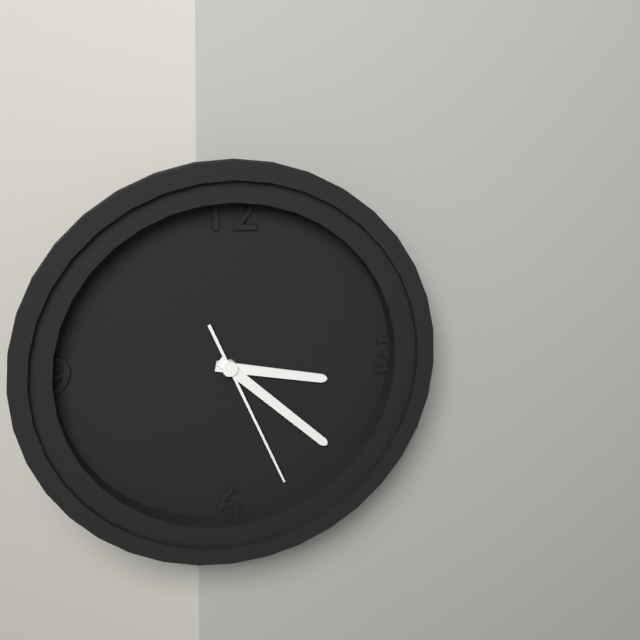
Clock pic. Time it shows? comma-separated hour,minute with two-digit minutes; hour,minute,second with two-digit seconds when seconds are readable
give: 3,22,26
